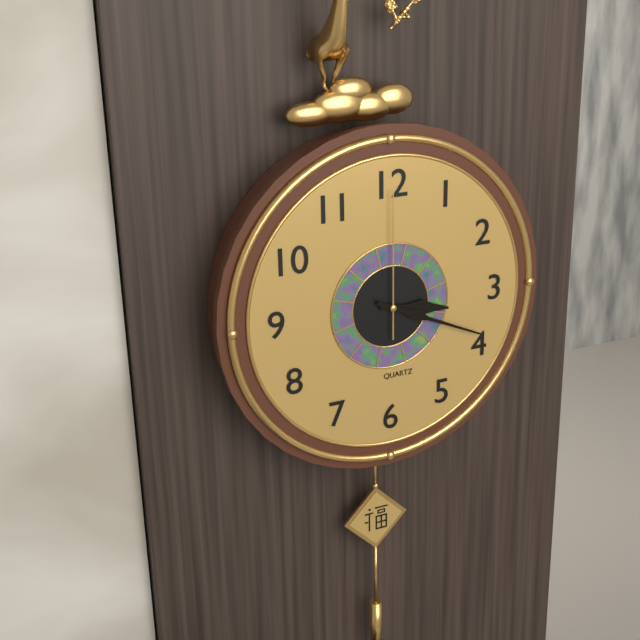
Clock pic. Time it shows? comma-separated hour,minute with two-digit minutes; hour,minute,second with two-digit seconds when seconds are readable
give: 3,19,00
